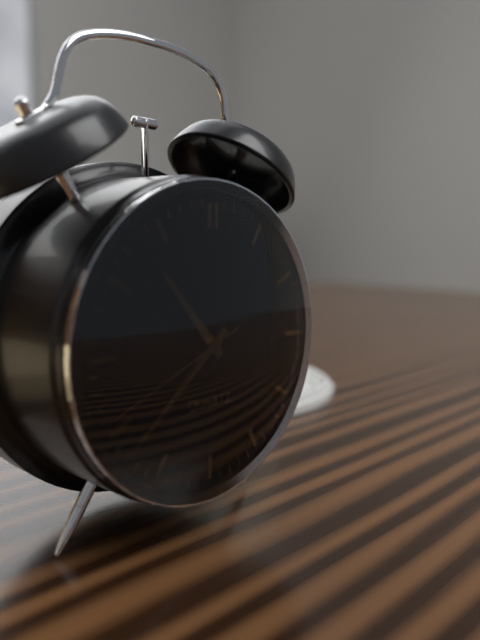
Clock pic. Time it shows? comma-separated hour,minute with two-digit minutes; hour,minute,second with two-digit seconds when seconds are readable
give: 10,38,41
